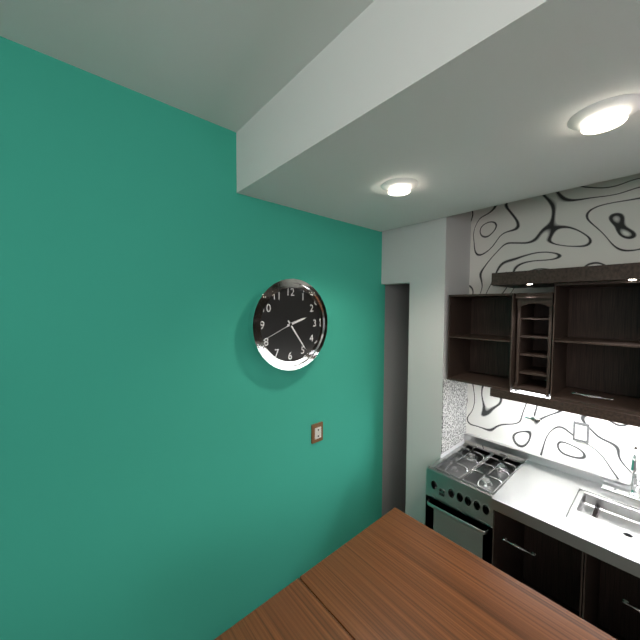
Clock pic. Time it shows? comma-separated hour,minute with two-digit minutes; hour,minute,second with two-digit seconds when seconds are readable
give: 2,24
